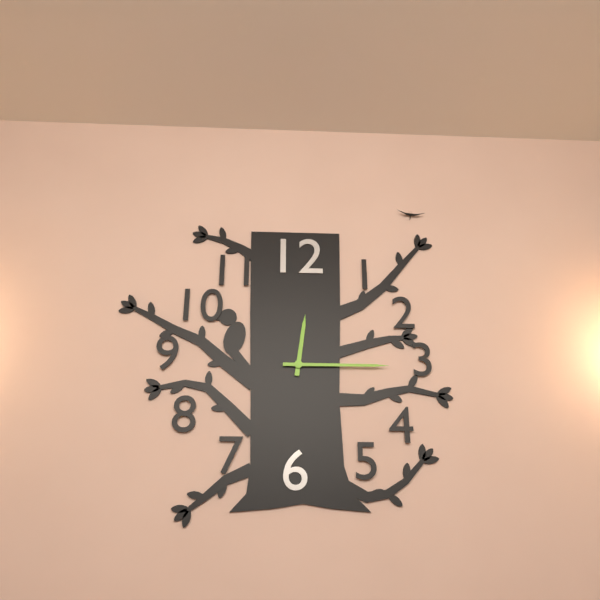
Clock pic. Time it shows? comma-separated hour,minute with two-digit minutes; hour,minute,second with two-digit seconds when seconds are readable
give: 12,15
